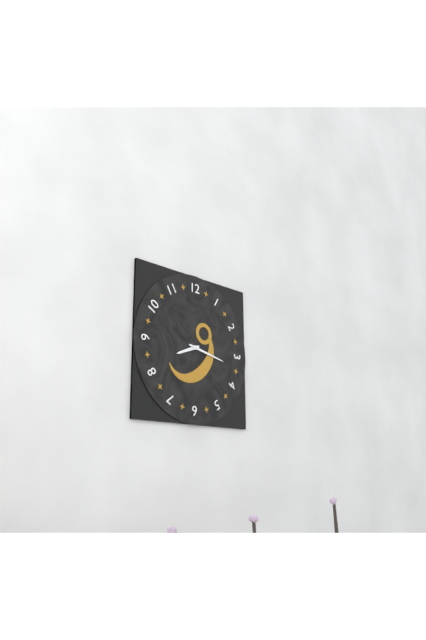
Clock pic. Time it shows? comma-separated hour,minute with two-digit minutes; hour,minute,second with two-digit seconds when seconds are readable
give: 8,17
